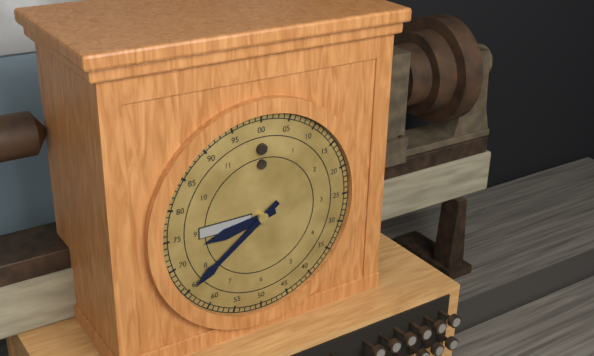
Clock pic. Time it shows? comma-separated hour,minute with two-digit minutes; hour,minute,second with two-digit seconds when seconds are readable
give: 8,39
